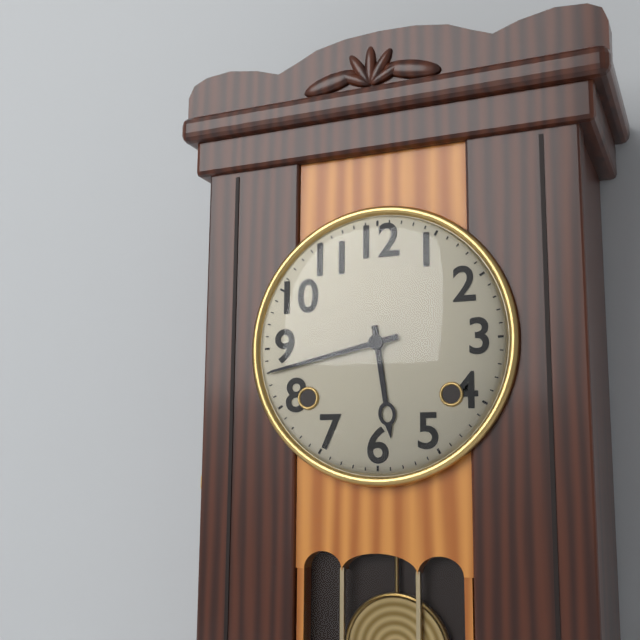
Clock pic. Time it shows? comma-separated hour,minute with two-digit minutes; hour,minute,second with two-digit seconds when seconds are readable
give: 5,43
